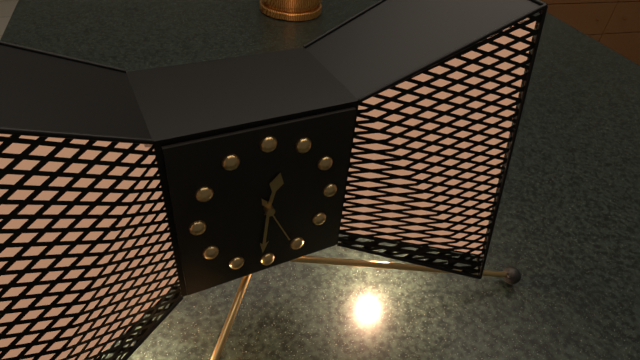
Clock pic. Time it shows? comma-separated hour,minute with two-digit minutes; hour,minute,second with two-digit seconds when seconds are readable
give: 12,31
